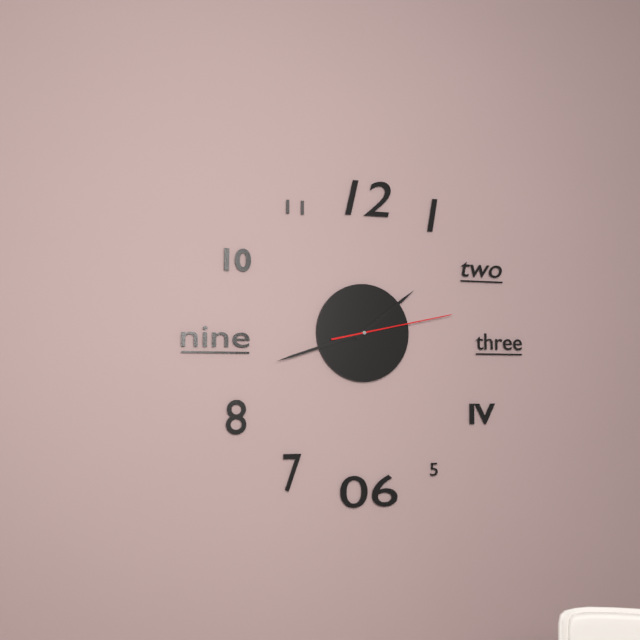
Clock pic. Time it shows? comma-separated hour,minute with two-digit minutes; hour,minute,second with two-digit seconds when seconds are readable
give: 1,42,13
